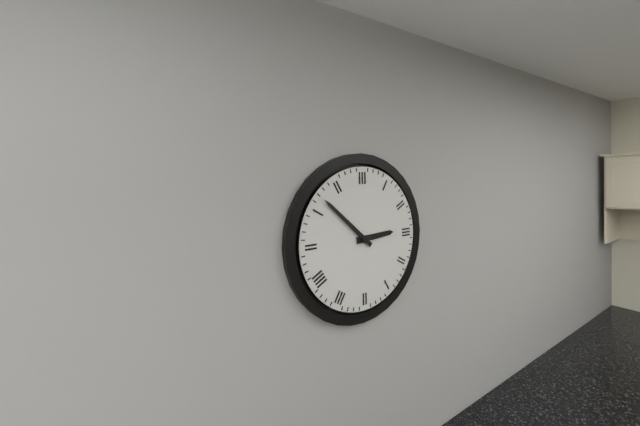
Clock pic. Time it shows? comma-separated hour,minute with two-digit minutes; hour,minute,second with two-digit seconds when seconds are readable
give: 2,52
